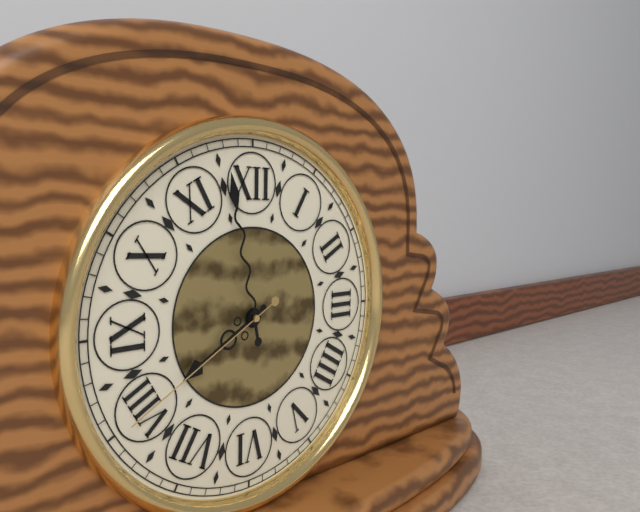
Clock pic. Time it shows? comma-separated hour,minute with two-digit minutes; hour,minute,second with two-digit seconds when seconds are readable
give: 7,58,40
